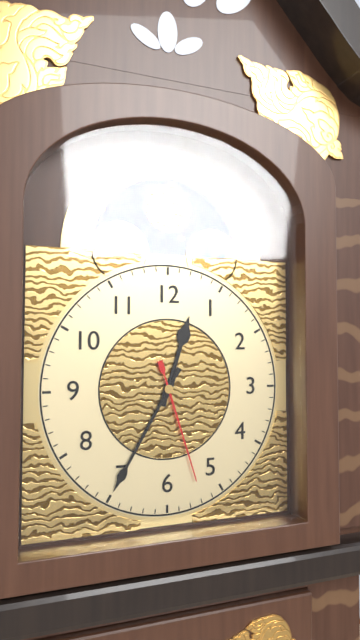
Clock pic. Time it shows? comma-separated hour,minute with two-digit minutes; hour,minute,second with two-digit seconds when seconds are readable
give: 12,35,27
